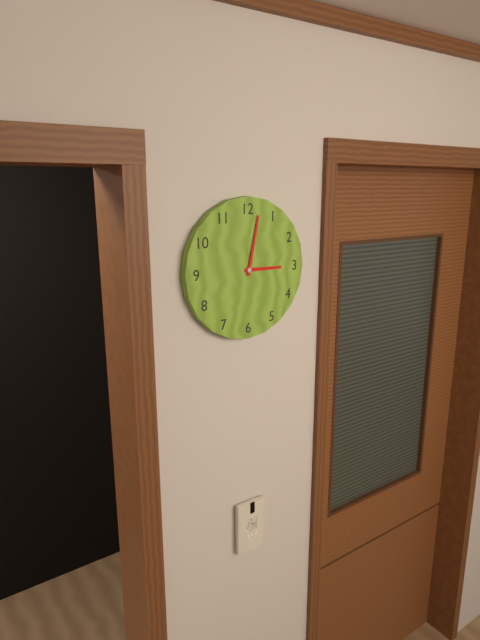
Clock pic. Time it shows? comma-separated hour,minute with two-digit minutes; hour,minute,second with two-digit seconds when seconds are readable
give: 3,02
